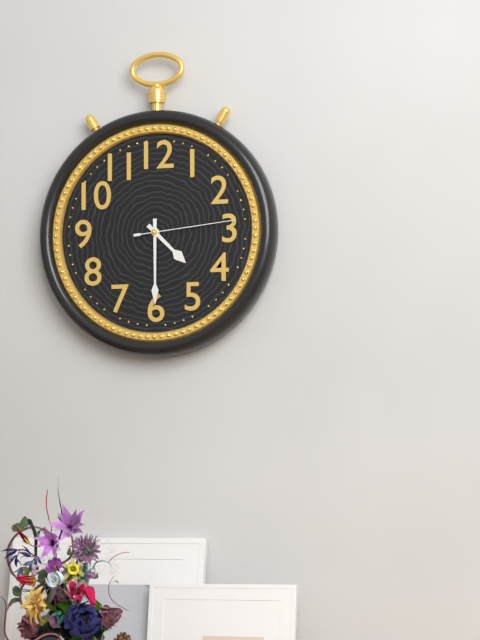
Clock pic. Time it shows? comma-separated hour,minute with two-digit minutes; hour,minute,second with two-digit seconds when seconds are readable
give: 4,30,14
